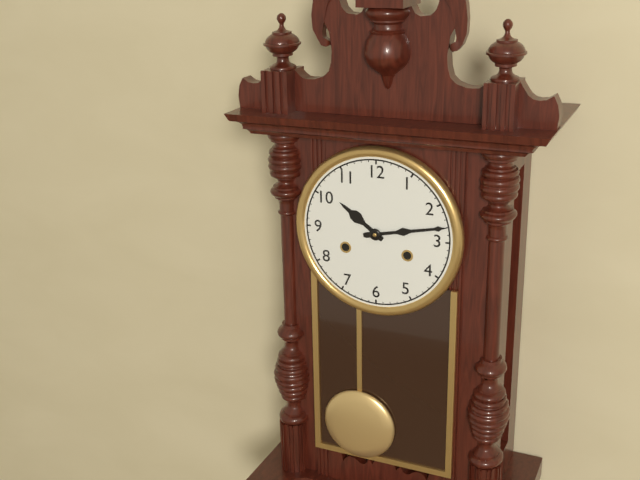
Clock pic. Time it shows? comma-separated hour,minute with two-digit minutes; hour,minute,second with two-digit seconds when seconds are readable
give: 10,13
